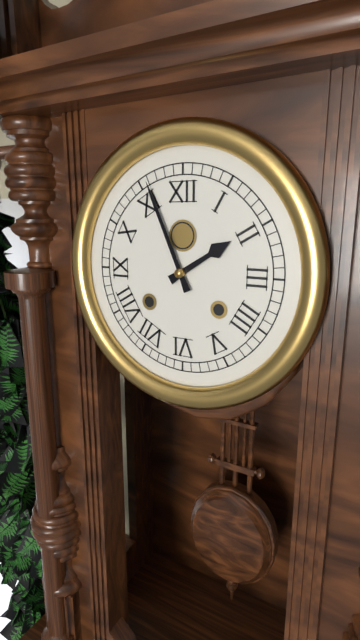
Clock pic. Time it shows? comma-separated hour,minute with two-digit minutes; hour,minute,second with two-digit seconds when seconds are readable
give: 1,56
